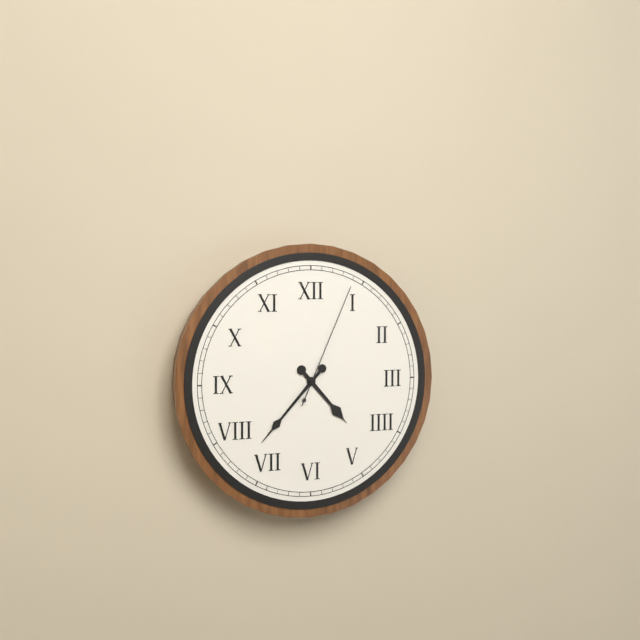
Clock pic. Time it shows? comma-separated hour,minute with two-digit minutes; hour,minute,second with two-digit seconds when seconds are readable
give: 4,37,04
